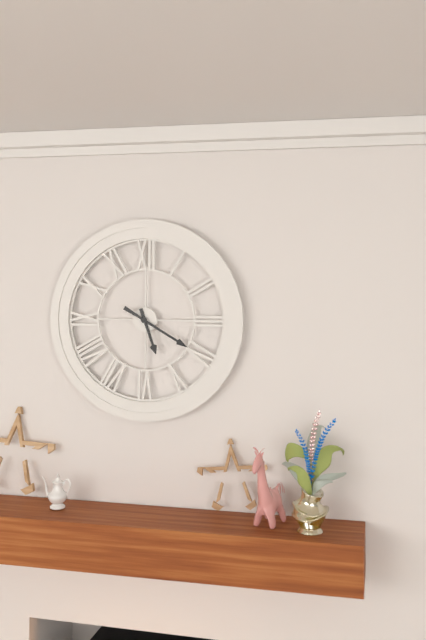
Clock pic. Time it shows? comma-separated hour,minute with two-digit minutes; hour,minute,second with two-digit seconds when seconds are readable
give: 5,20
